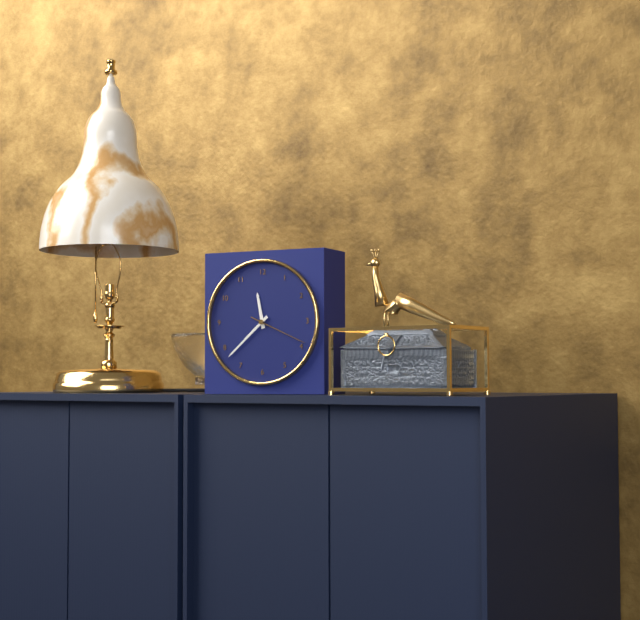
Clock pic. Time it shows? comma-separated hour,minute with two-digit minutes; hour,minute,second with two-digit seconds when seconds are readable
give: 11,38,19
